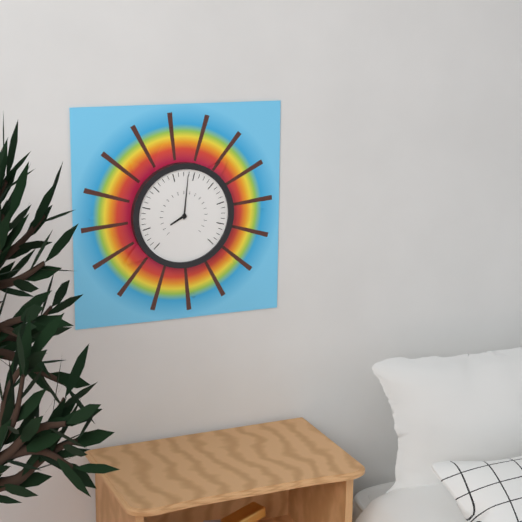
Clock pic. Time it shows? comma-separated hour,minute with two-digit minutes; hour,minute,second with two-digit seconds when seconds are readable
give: 8,01
